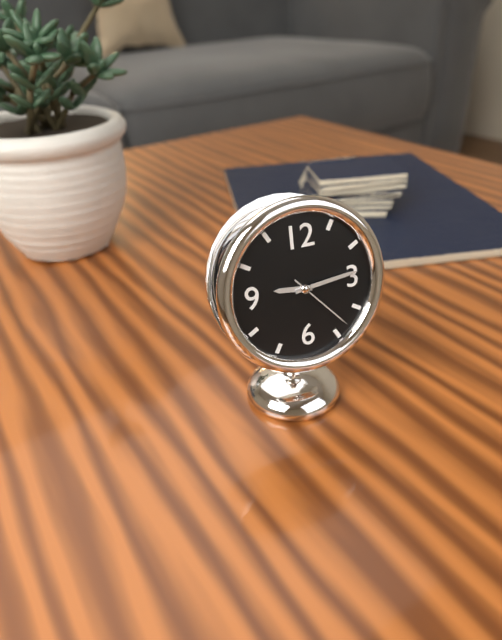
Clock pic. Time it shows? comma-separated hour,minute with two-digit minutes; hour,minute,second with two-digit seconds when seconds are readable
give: 9,14,23
